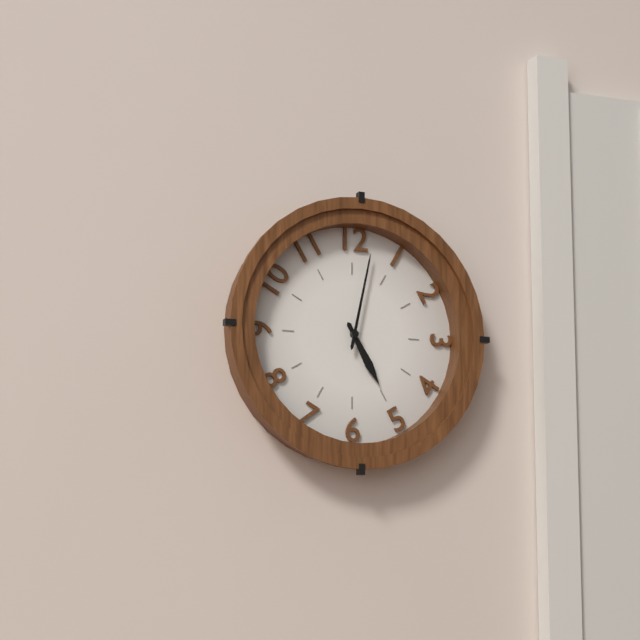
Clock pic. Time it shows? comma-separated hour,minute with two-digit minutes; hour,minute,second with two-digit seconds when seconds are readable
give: 5,02
